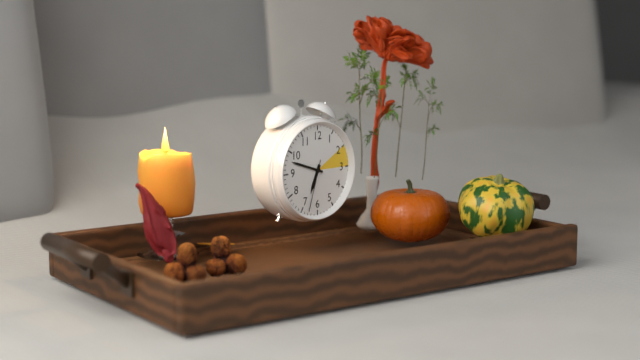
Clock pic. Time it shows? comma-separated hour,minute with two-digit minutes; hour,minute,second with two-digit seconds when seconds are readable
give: 6,48,33
